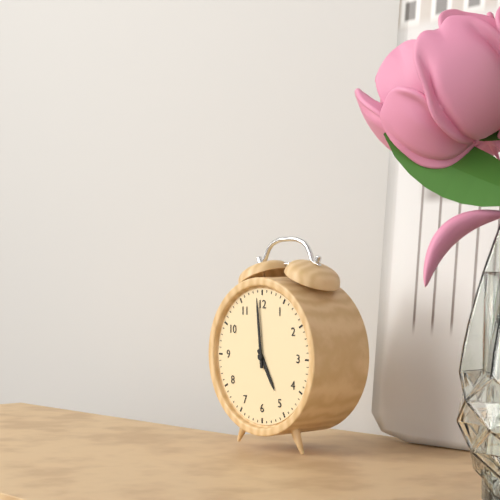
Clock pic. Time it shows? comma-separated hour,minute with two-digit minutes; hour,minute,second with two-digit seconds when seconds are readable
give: 4,59
